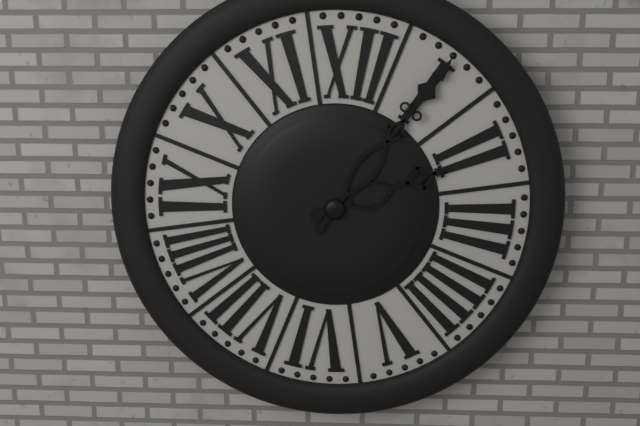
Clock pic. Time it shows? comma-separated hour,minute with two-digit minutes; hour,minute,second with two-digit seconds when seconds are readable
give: 2,05
